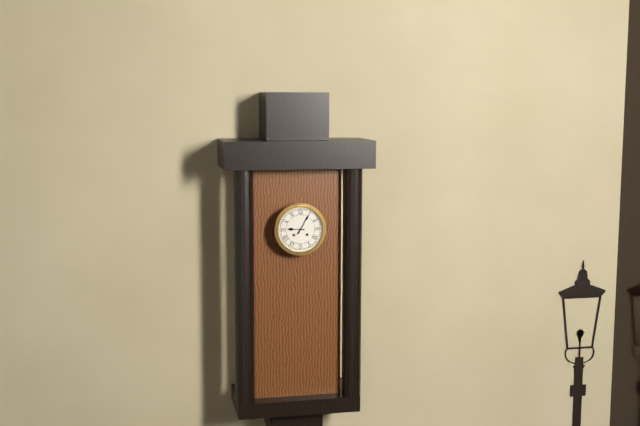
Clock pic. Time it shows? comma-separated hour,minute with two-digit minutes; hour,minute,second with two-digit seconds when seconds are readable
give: 9,05
